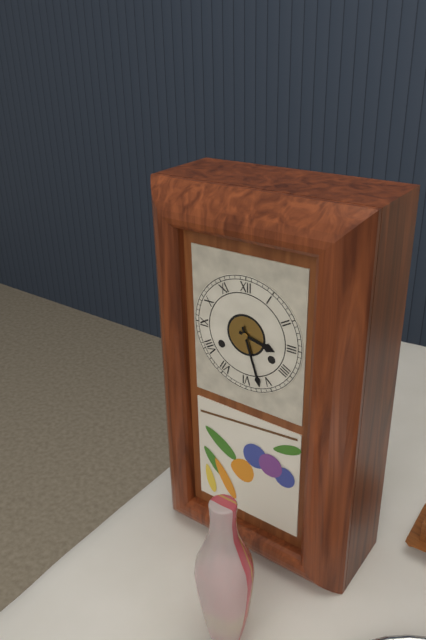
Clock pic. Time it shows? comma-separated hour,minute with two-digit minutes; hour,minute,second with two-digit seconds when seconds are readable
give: 3,27
